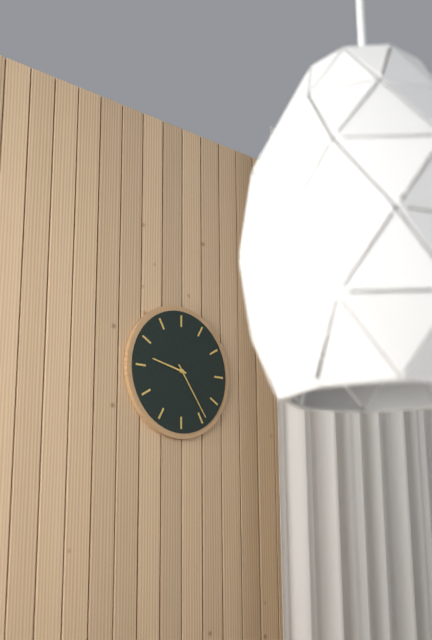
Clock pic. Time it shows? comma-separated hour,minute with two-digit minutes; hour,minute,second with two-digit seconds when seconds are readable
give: 9,24
